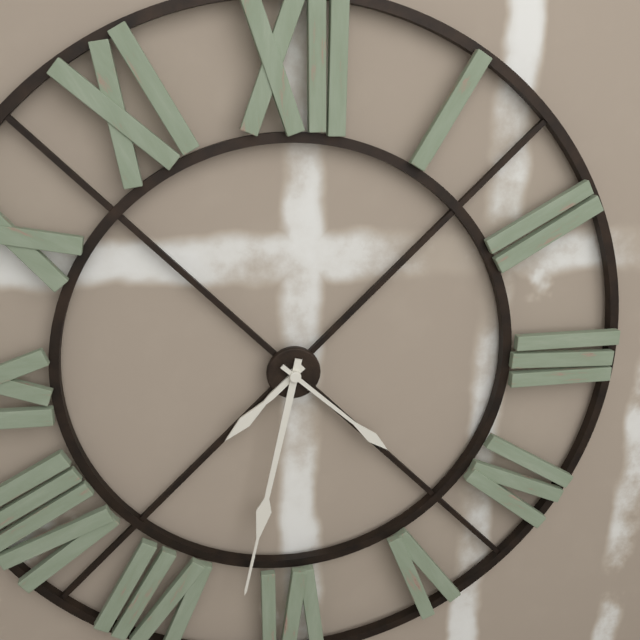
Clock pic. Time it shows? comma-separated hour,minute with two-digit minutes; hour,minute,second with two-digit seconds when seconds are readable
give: 7,32,22
